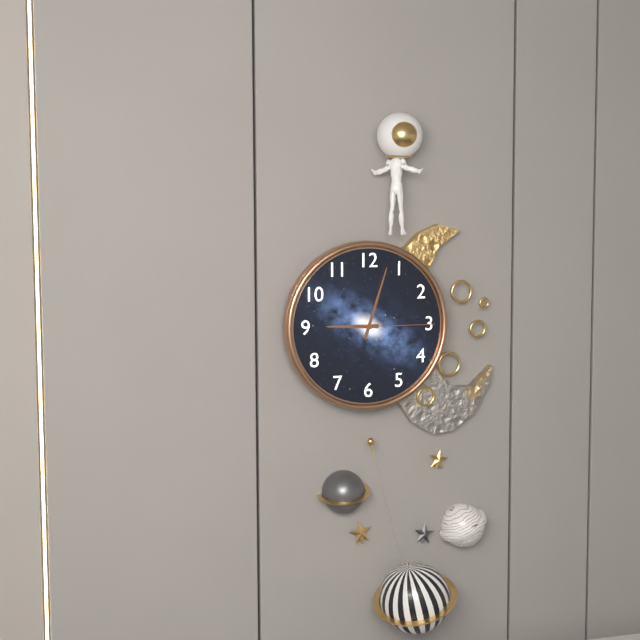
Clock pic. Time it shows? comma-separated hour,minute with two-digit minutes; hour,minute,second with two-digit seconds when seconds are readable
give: 9,03,15
